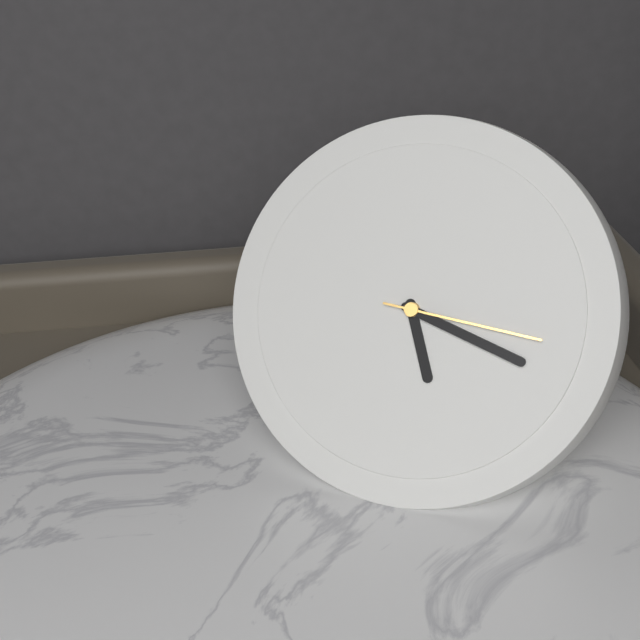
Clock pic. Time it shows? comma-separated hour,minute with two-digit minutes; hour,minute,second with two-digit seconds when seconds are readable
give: 5,18,16
